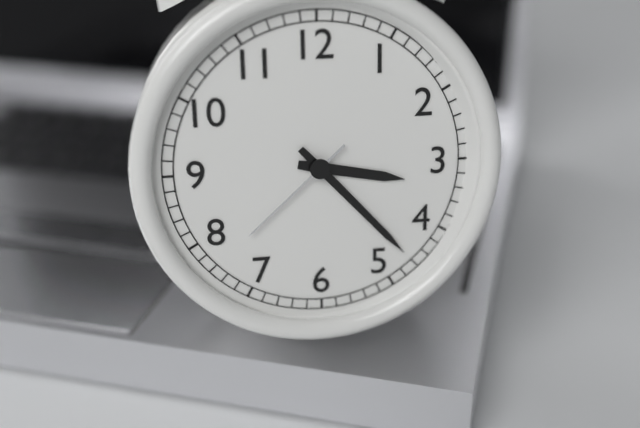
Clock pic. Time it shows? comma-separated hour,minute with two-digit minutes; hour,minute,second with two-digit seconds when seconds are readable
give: 3,23,38
